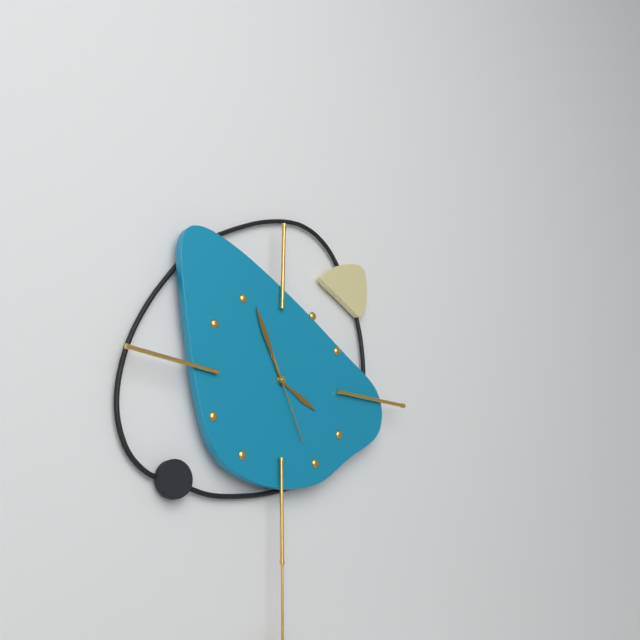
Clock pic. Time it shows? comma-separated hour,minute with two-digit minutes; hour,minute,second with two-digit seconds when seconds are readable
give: 3,56,26
